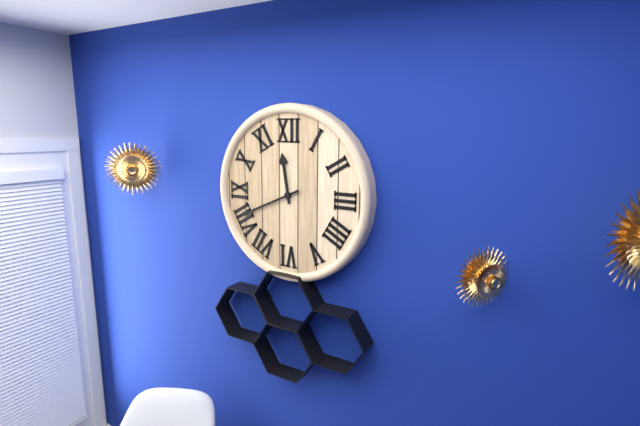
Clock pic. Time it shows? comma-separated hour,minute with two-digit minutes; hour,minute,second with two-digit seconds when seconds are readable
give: 11,41
